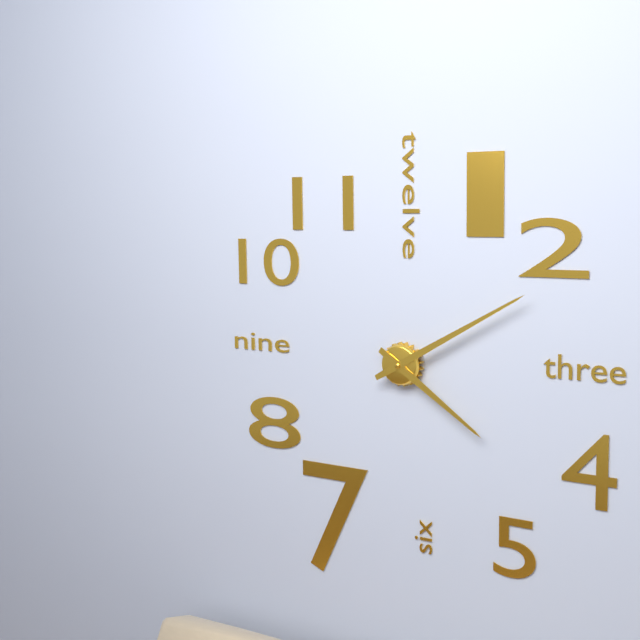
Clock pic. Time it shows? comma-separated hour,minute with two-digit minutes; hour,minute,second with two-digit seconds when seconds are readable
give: 4,10
